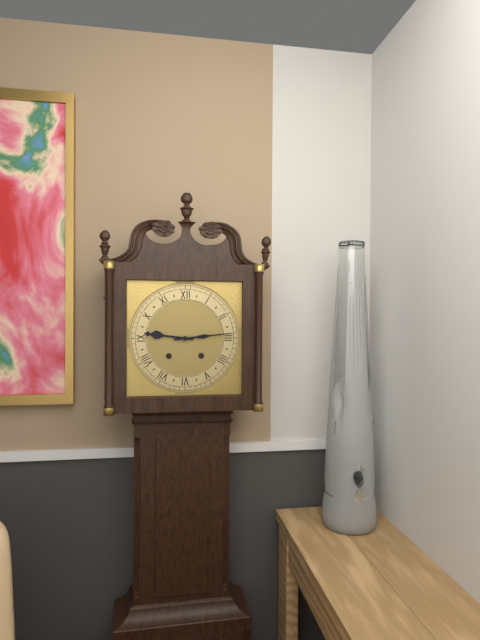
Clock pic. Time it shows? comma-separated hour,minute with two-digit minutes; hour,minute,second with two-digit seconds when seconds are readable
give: 9,14
